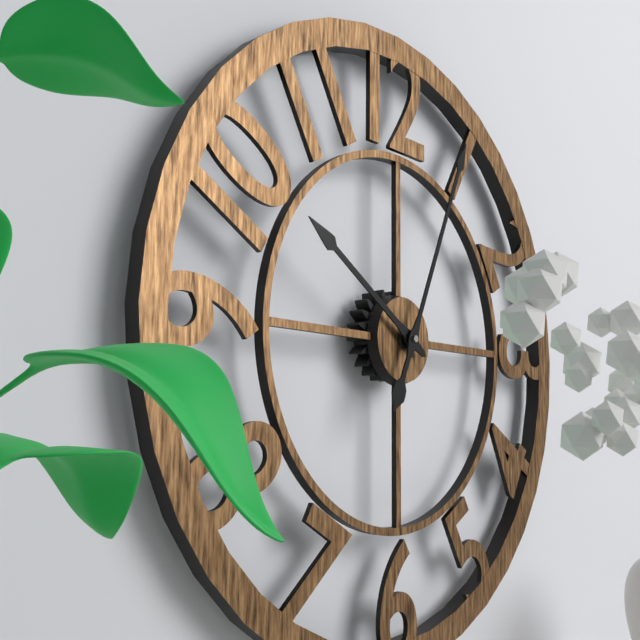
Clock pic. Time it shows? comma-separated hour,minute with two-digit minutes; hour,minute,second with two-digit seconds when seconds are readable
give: 10,04
